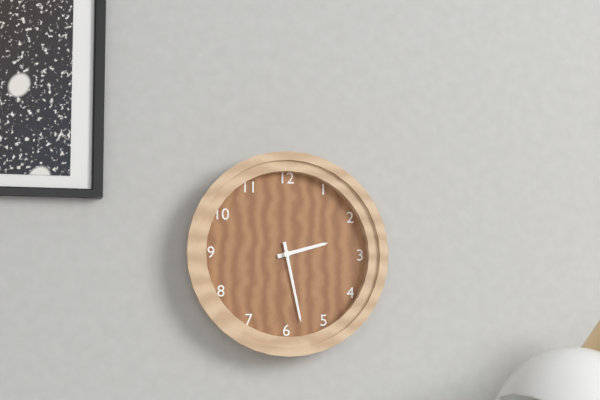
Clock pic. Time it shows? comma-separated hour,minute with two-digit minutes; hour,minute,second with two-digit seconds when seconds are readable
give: 2,28
